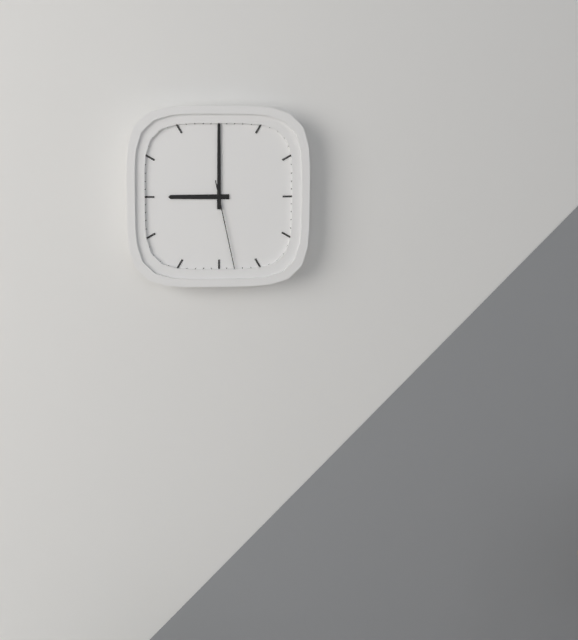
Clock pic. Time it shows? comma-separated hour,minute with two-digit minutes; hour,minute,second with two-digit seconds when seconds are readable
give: 9,00,28
